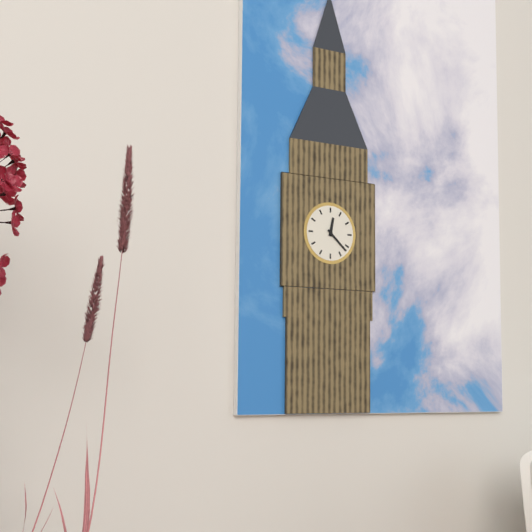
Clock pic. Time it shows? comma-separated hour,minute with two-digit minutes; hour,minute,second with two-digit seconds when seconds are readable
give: 12,22
